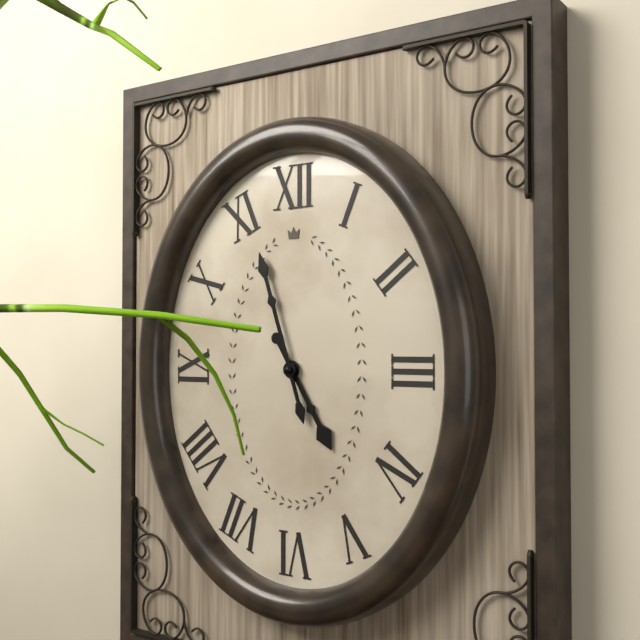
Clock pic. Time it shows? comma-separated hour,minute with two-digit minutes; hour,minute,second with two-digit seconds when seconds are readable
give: 4,57
